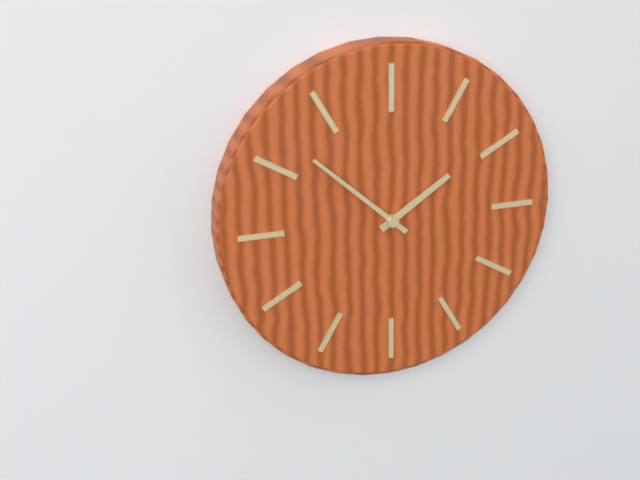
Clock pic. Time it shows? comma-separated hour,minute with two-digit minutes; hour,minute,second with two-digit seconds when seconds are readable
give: 1,52
